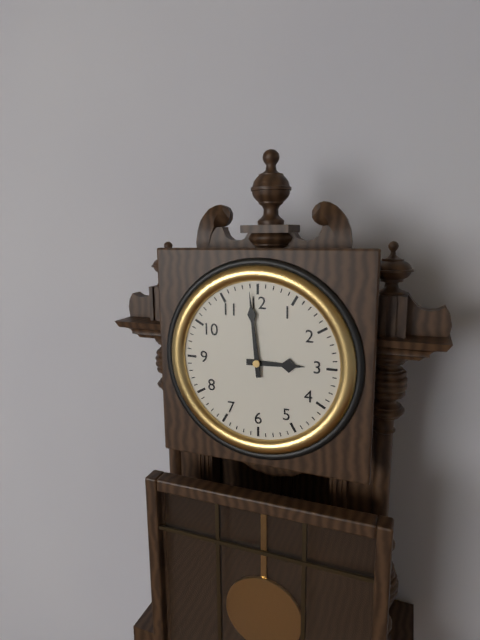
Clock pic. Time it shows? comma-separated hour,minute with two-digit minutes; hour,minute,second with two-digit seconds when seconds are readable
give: 2,59
